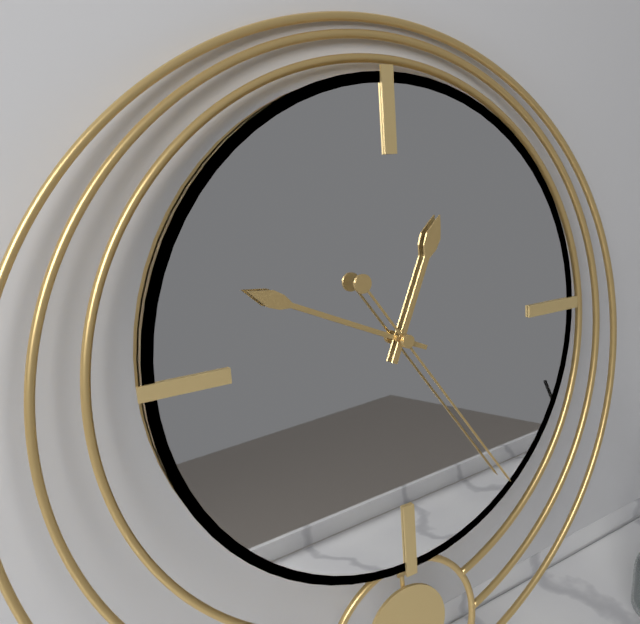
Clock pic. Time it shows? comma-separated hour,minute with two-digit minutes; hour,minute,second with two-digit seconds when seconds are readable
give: 12,49,24
